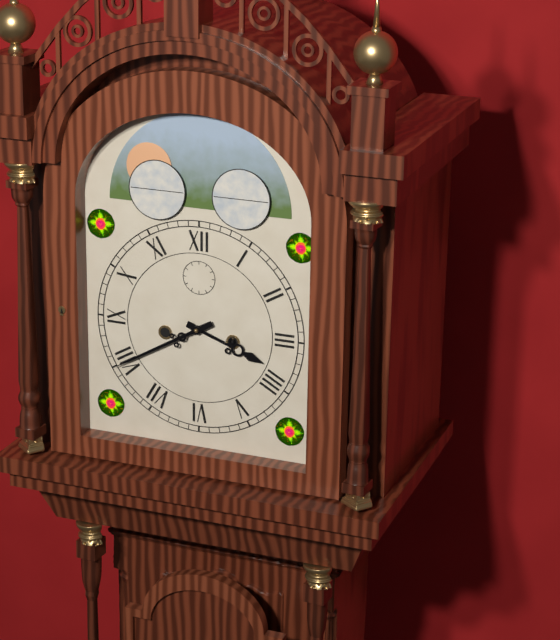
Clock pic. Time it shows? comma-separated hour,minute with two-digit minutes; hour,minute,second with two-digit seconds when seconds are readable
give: 3,40
